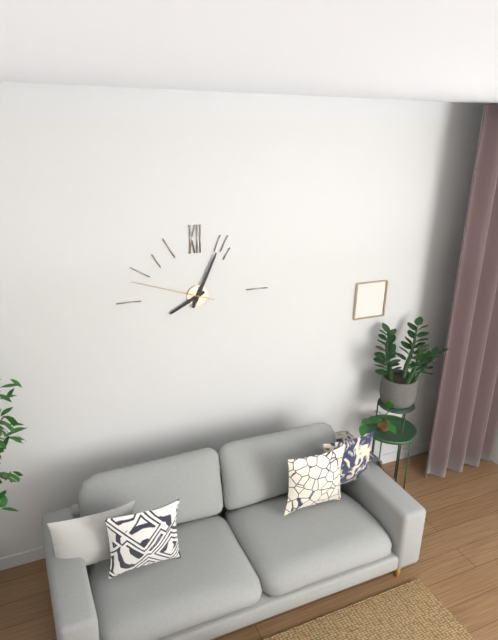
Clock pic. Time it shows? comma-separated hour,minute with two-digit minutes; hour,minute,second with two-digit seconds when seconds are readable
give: 8,04,48
